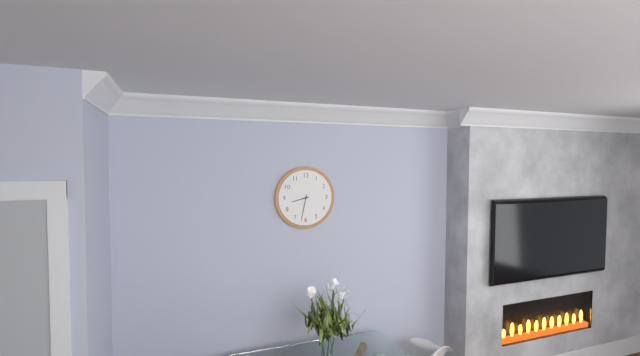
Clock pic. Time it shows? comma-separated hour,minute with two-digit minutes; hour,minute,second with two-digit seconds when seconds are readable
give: 8,32
